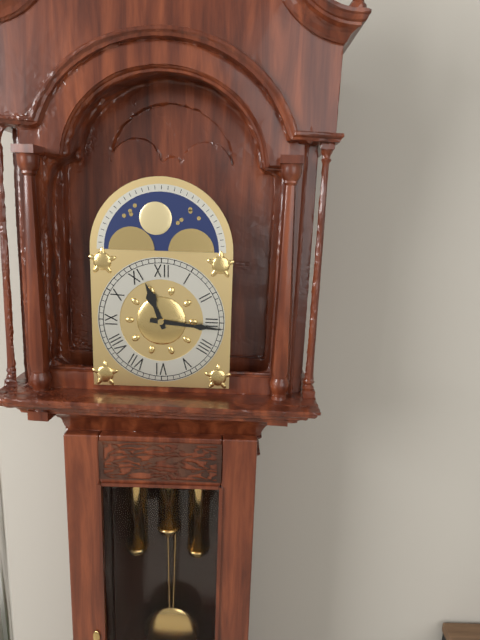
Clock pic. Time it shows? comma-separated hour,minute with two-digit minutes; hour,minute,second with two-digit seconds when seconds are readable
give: 11,16
